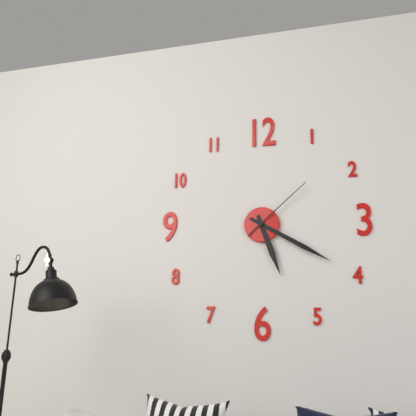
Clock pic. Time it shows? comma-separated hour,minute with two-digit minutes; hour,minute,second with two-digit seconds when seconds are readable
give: 5,20,08
